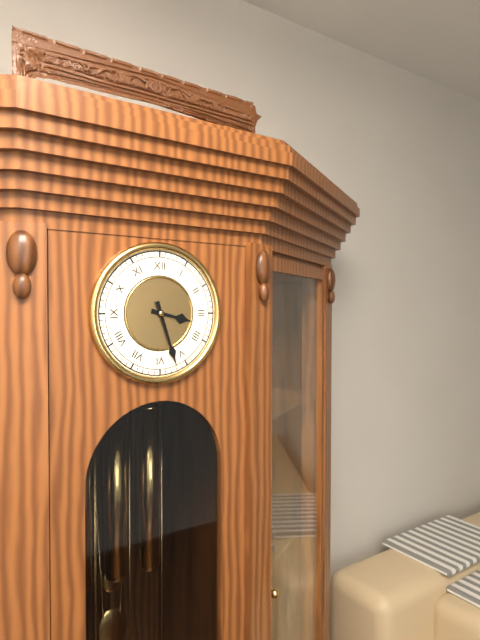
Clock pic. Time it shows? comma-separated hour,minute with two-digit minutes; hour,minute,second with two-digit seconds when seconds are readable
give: 3,27
